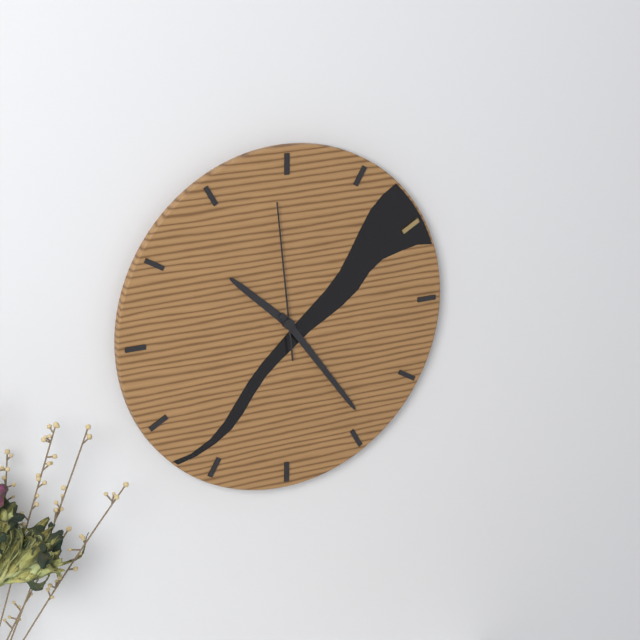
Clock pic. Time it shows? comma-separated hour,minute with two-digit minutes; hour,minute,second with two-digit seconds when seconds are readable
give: 10,24,59
